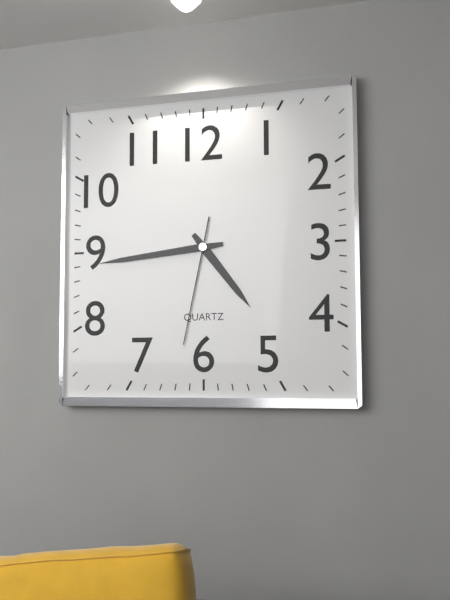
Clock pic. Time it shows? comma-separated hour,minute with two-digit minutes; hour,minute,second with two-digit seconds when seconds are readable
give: 4,44,32
